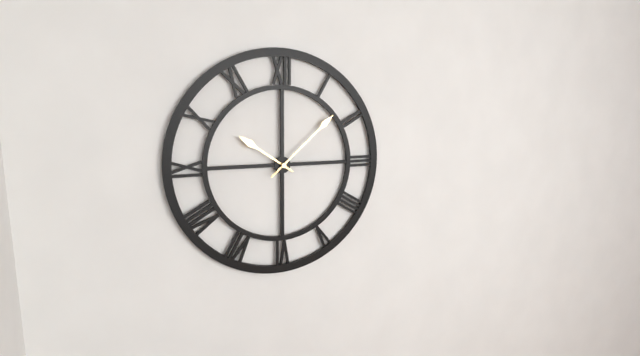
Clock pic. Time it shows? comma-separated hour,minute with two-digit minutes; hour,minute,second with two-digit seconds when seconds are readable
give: 10,08
